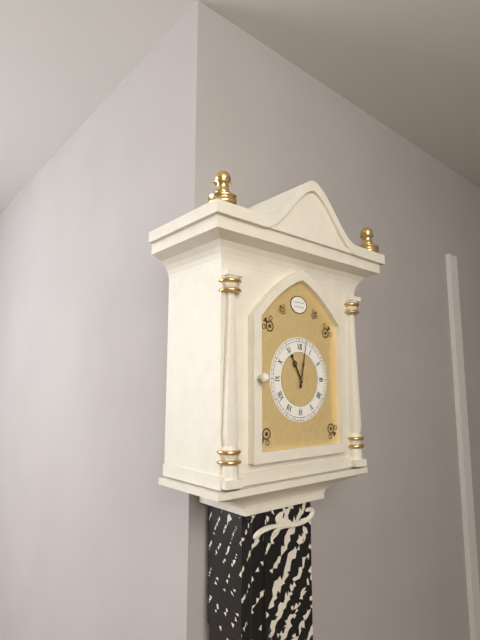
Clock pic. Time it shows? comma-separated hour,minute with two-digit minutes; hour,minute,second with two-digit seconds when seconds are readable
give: 11,02
